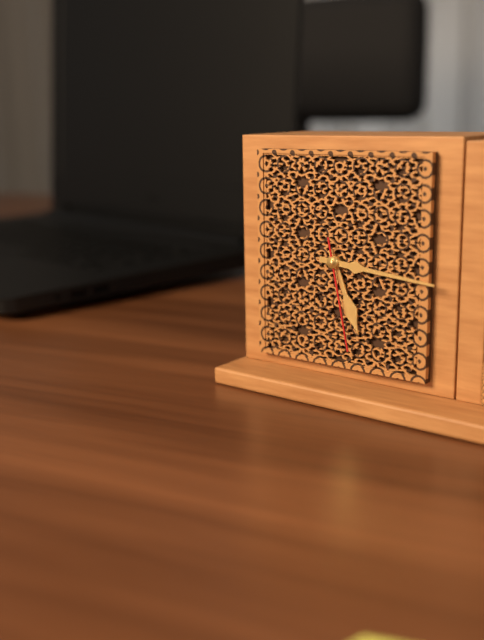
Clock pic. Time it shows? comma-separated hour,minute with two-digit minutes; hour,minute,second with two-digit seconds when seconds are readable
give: 5,16,28
